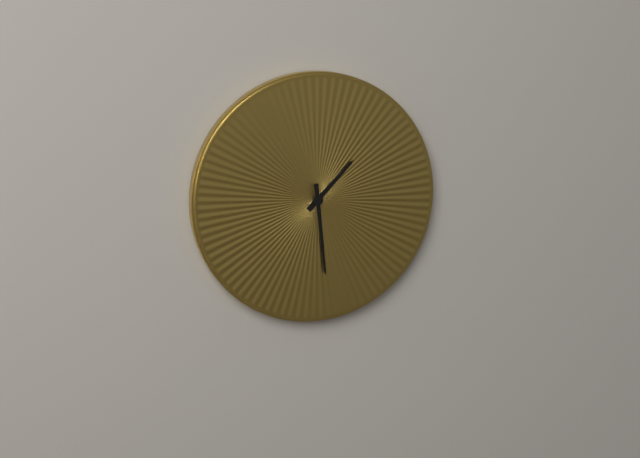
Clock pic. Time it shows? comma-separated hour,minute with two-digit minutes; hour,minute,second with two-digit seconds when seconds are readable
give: 1,29
